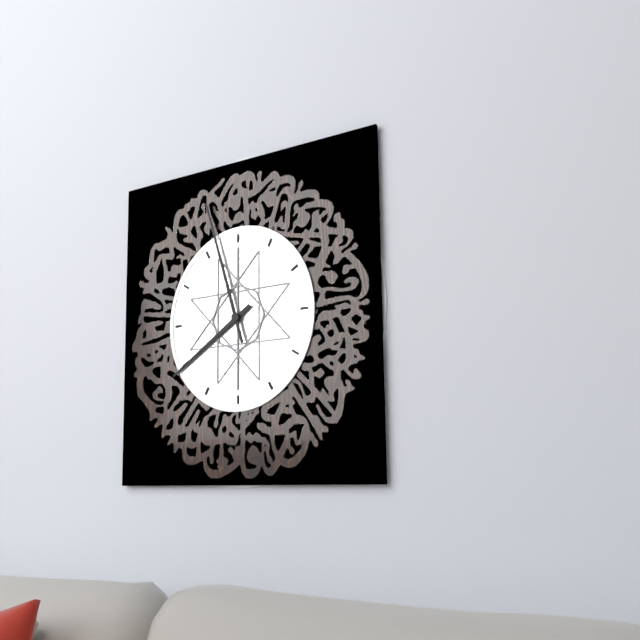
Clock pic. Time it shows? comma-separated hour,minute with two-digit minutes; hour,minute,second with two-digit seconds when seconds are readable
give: 7,57
